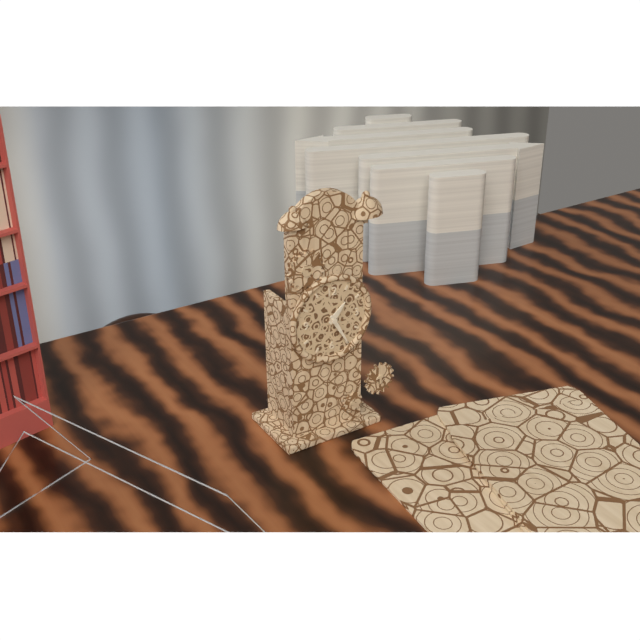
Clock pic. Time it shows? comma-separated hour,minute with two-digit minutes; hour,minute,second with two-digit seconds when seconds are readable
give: 1,25
